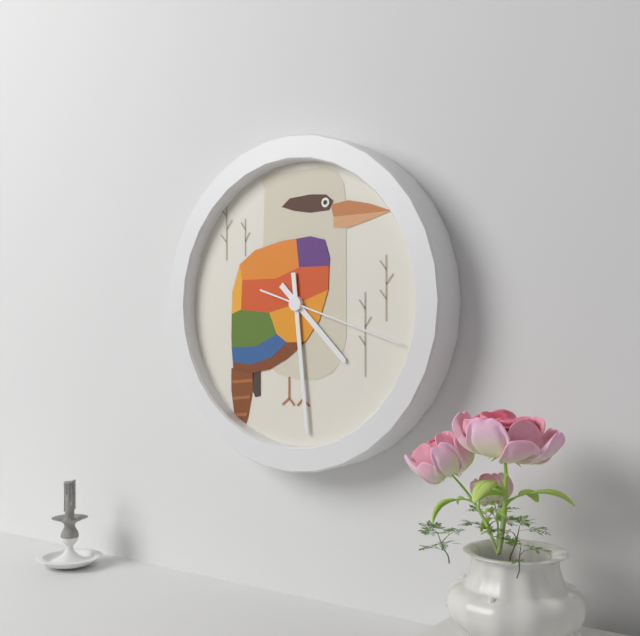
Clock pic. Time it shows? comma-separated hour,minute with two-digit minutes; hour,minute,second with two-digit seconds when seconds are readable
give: 4,29,18
